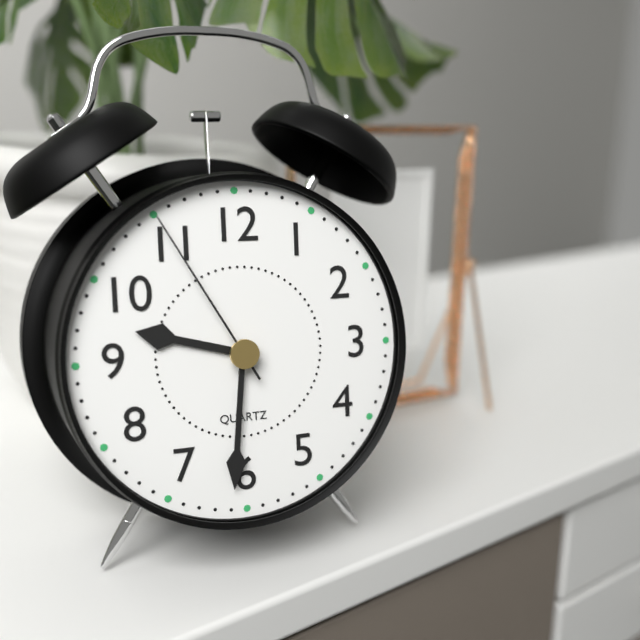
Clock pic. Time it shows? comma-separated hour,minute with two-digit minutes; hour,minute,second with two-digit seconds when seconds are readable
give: 9,31,55
